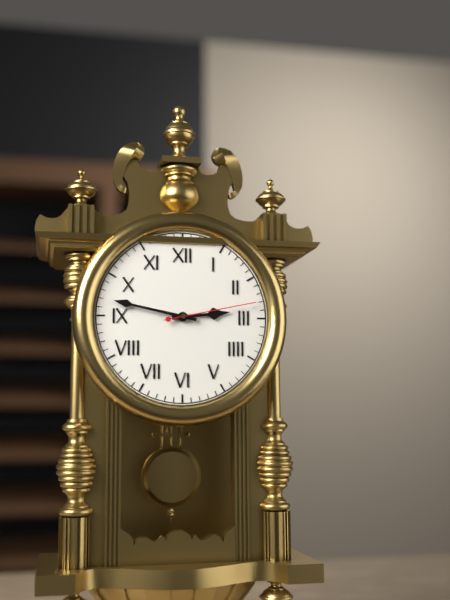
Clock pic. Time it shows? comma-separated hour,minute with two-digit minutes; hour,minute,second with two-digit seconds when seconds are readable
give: 2,47,13
